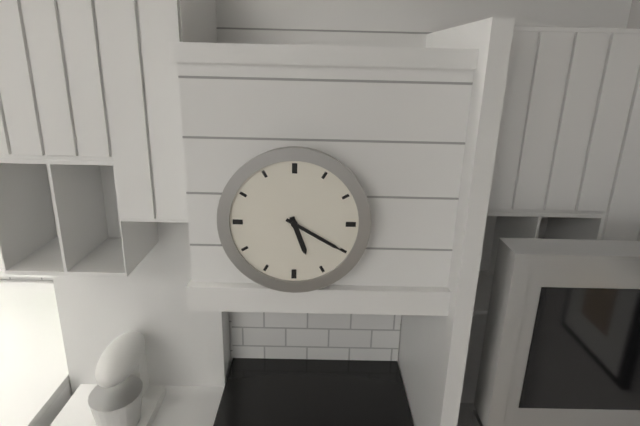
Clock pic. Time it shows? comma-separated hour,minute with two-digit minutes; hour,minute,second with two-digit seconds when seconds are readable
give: 5,20
